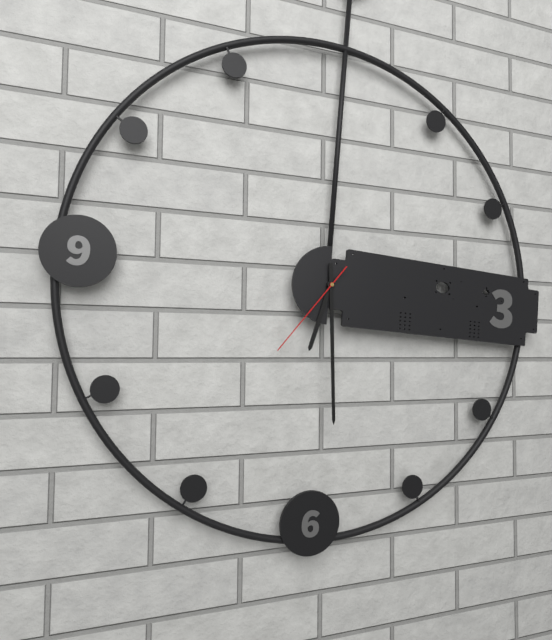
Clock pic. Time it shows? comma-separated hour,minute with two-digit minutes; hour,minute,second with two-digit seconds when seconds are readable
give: 6,29,36
